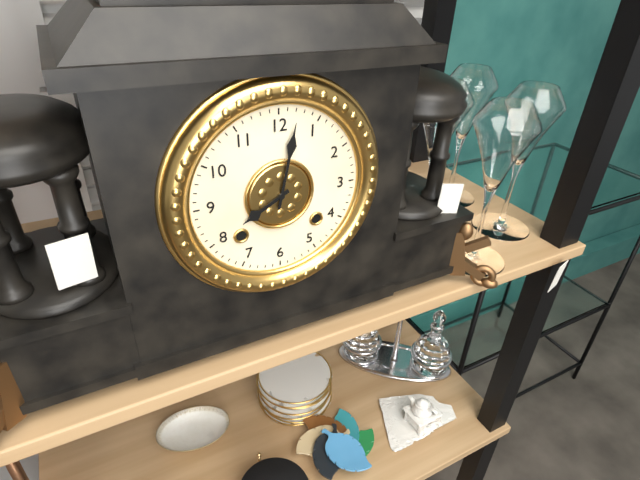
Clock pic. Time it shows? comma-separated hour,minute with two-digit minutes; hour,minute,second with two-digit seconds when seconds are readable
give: 8,02
